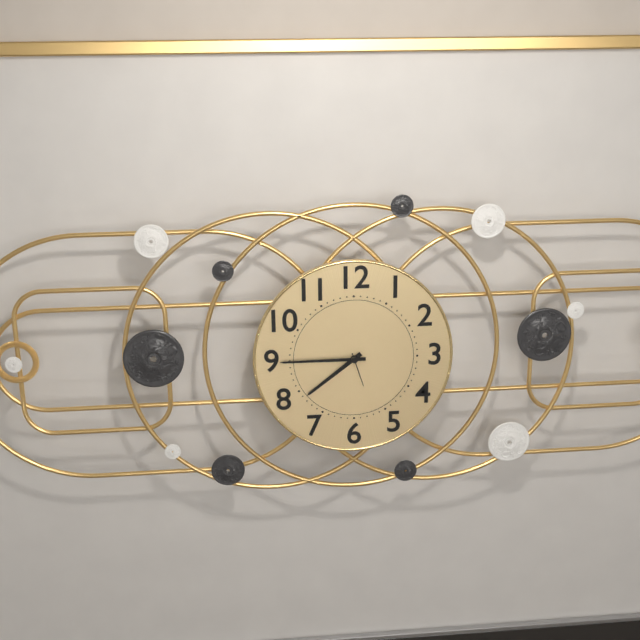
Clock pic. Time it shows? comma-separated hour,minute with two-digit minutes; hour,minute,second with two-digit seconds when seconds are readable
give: 7,45
